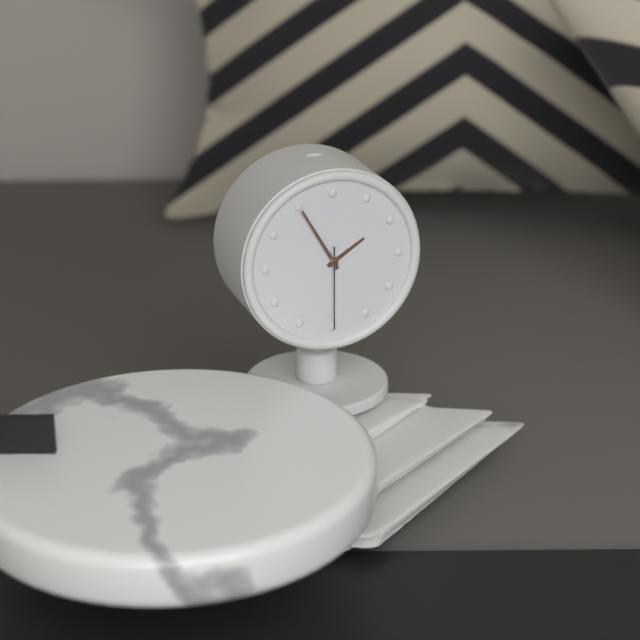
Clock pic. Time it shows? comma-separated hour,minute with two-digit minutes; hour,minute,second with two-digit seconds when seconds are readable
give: 1,55,30
